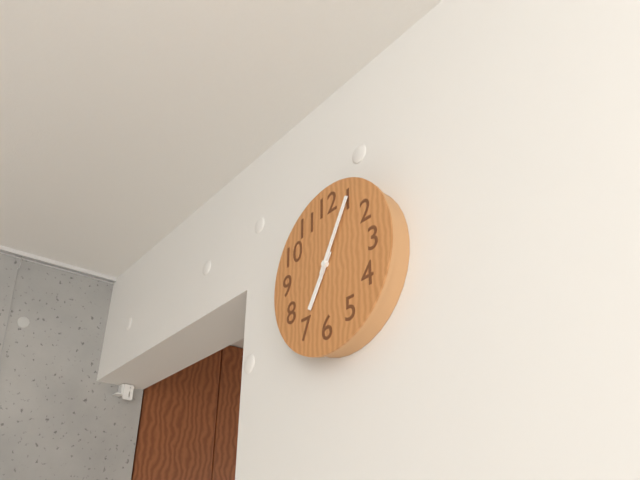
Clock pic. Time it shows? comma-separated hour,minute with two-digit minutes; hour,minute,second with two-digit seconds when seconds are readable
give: 7,05
